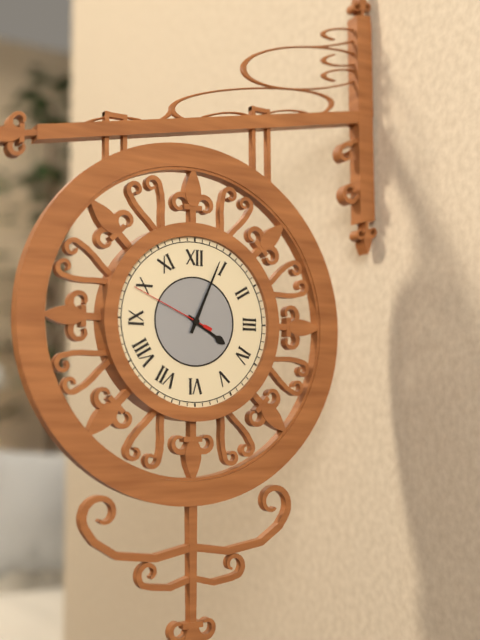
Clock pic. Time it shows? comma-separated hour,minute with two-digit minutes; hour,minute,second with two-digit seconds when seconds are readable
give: 4,04,49
